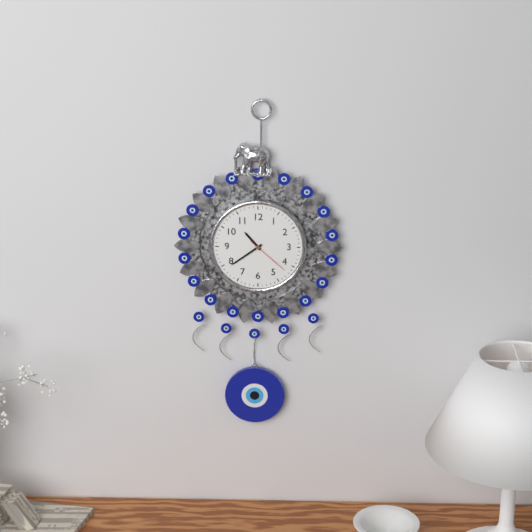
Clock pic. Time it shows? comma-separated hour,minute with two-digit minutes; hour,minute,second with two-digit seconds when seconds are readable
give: 10,39
